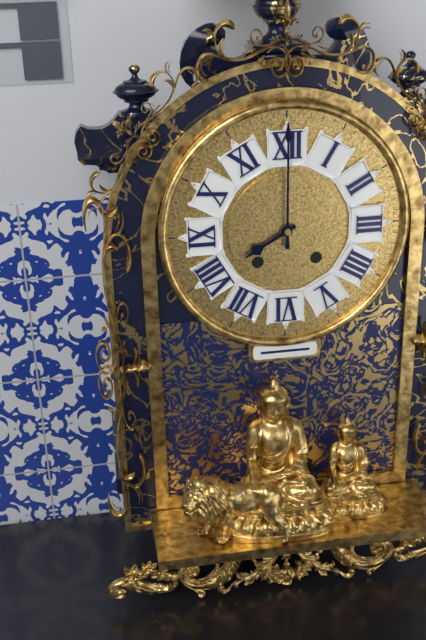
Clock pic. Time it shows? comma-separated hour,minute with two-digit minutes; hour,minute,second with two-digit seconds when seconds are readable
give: 8,00
